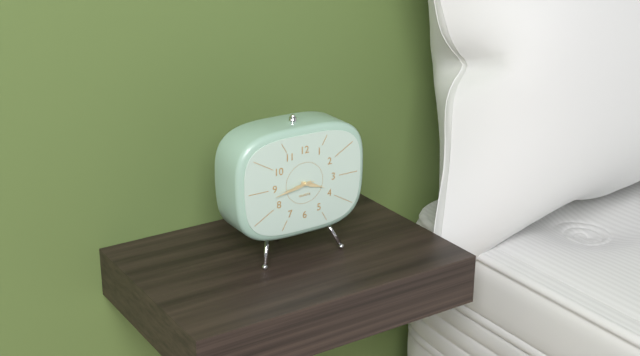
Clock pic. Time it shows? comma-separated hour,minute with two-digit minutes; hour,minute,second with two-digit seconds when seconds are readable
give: 3,43
